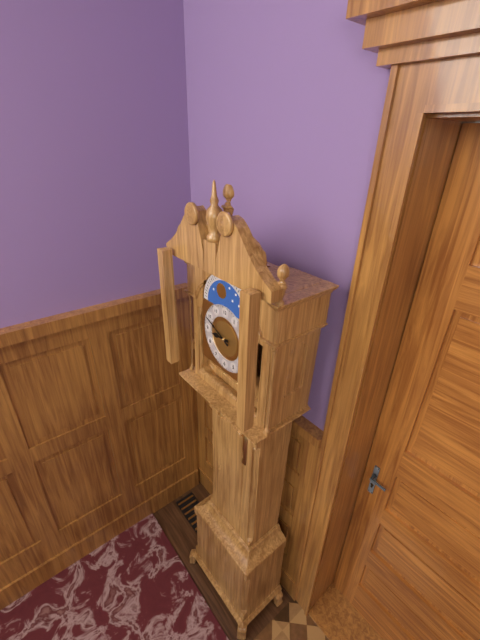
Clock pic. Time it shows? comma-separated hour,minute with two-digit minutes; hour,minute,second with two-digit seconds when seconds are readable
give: 8,49
